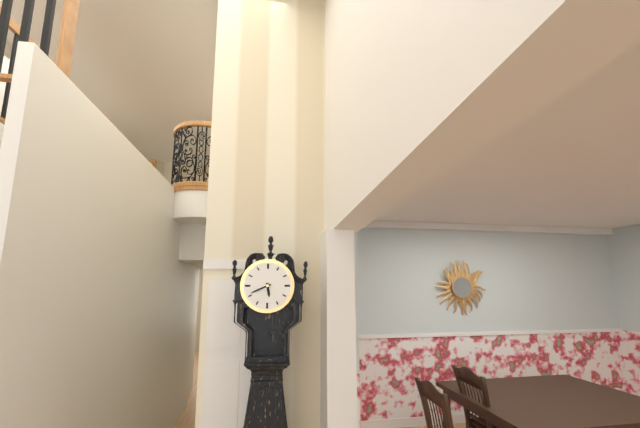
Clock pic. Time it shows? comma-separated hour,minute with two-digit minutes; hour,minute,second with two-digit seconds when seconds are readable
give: 5,41
